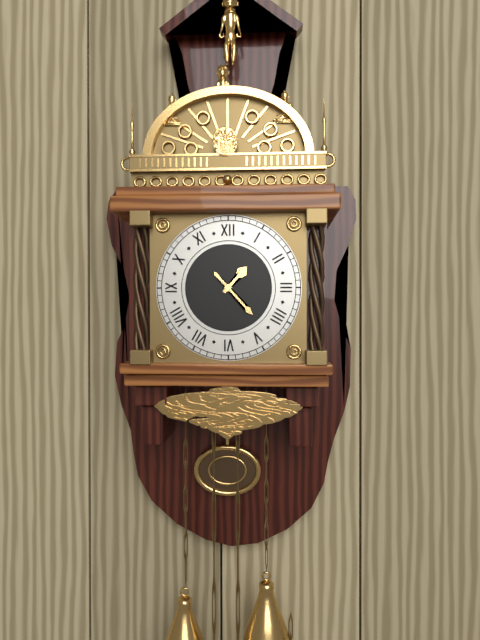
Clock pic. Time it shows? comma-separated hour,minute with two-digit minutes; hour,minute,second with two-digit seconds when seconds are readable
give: 1,23
